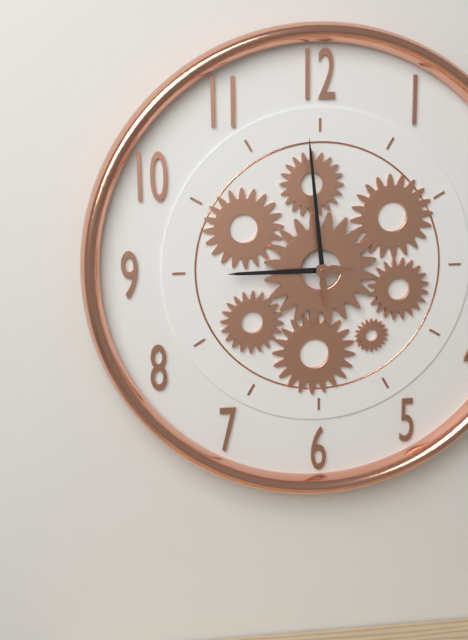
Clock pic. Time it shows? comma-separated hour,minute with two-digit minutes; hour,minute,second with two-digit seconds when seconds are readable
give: 8,59
